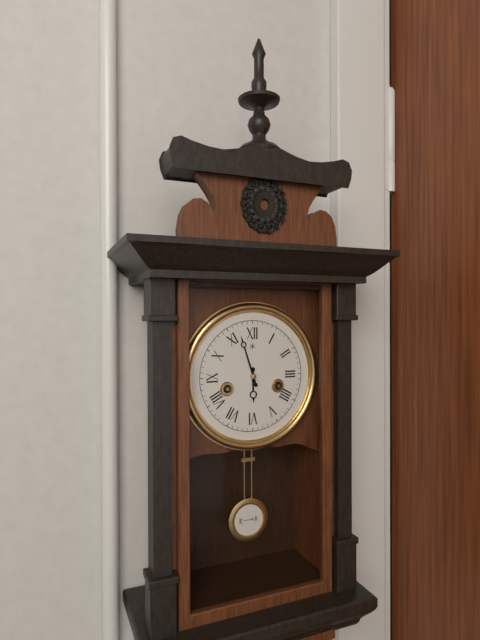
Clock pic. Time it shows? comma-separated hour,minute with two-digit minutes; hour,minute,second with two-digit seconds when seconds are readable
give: 5,57
